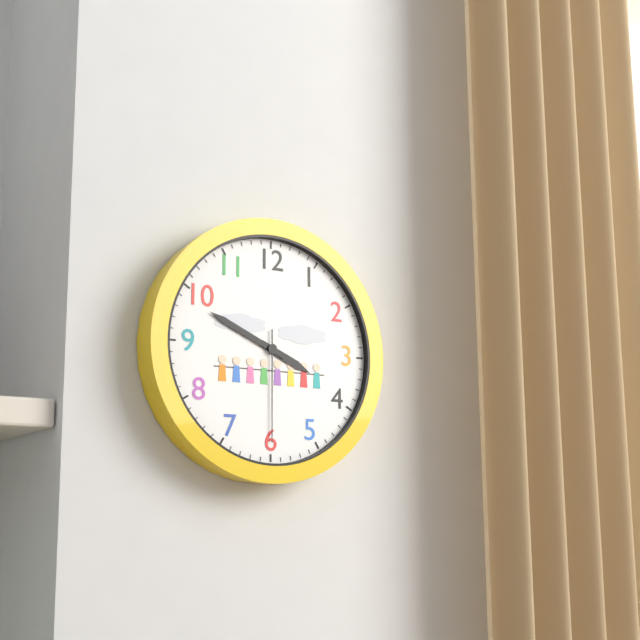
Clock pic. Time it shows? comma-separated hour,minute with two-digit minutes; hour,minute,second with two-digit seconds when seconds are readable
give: 3,49,30
